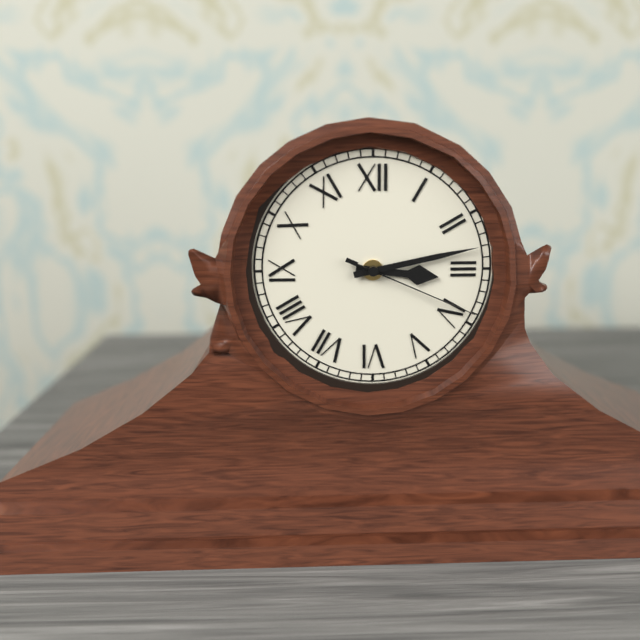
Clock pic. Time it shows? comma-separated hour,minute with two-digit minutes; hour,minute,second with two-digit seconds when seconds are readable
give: 3,13,19
